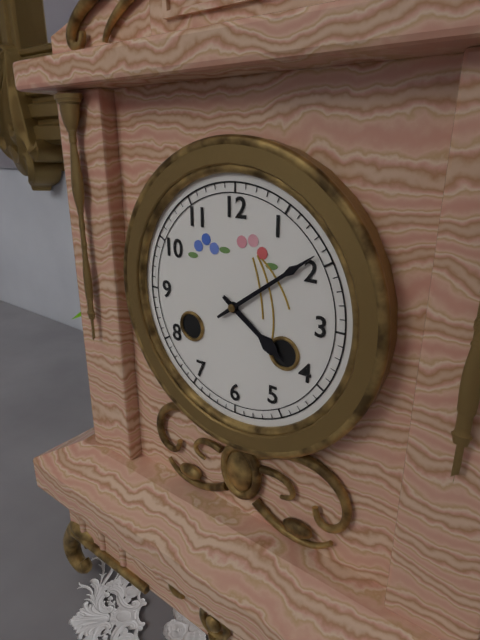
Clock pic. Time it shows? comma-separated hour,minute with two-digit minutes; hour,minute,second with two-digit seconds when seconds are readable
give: 4,09
